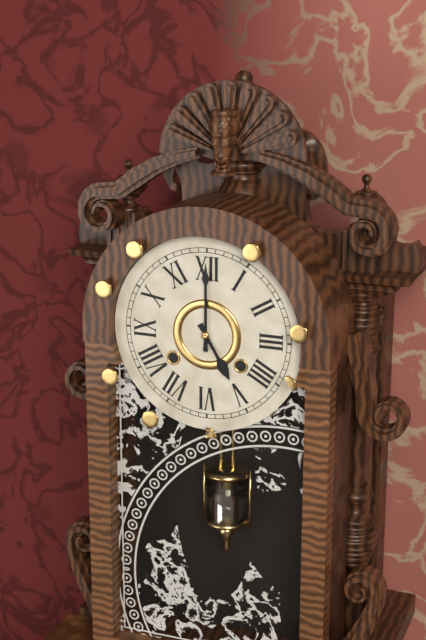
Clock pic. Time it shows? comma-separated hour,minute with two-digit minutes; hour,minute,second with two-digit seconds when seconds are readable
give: 5,00
